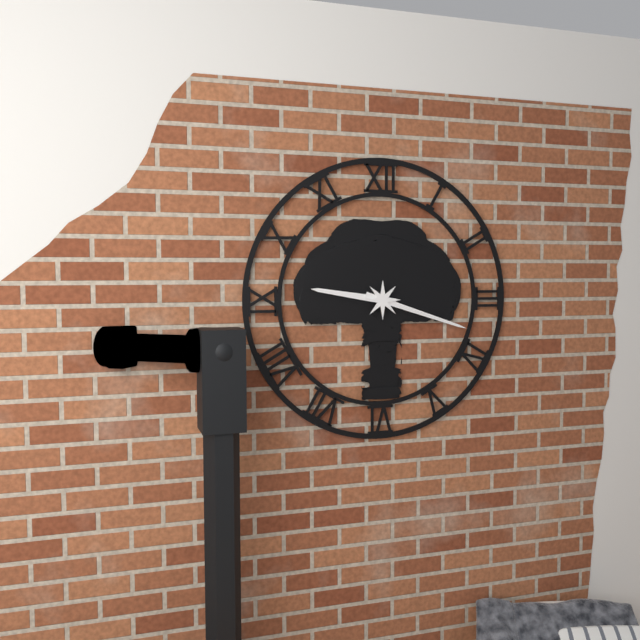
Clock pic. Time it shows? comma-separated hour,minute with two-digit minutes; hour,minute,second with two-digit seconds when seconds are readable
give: 9,18
